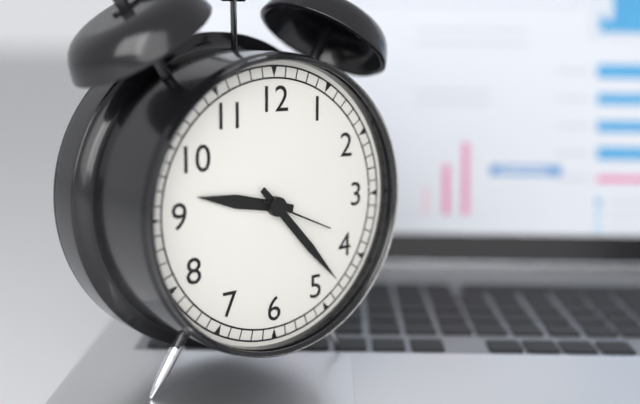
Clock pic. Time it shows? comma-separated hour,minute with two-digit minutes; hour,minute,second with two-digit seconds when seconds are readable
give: 9,23,19
